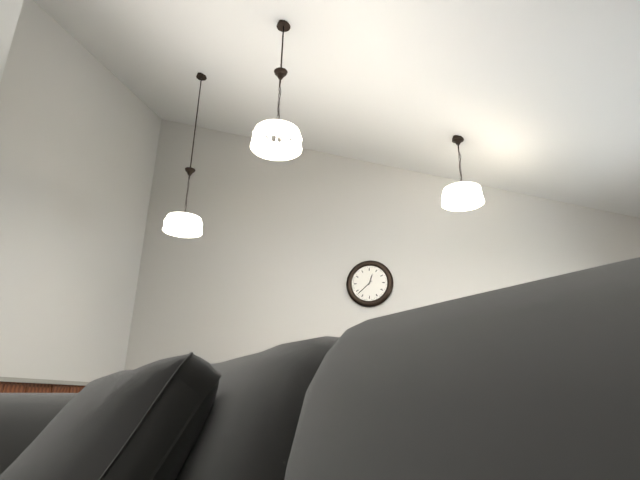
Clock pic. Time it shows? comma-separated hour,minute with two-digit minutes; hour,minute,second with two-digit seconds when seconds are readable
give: 12,38
